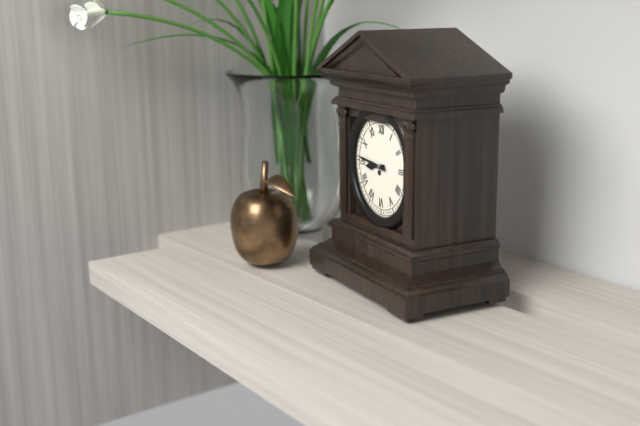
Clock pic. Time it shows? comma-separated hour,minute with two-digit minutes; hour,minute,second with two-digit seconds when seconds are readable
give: 8,46
